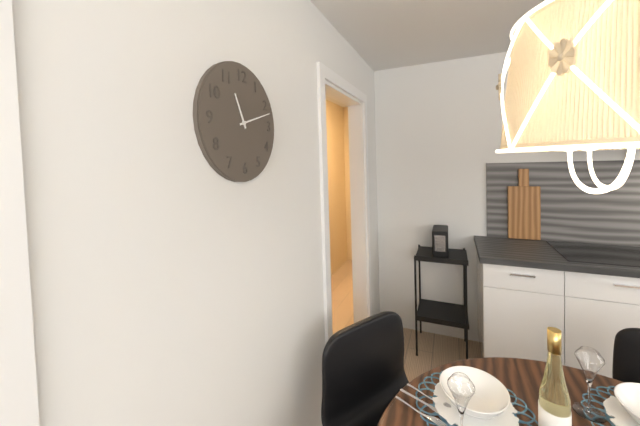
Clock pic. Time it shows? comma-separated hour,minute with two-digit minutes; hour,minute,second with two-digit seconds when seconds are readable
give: 11,12
